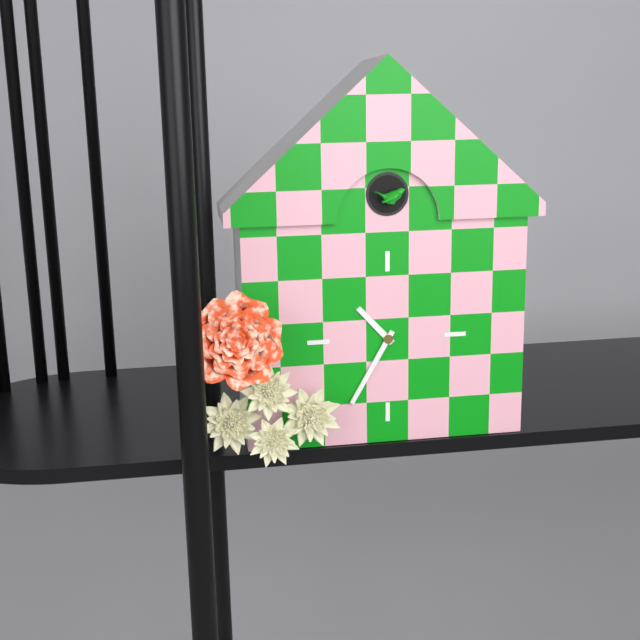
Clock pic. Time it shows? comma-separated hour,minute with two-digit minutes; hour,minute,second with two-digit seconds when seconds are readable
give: 10,35
